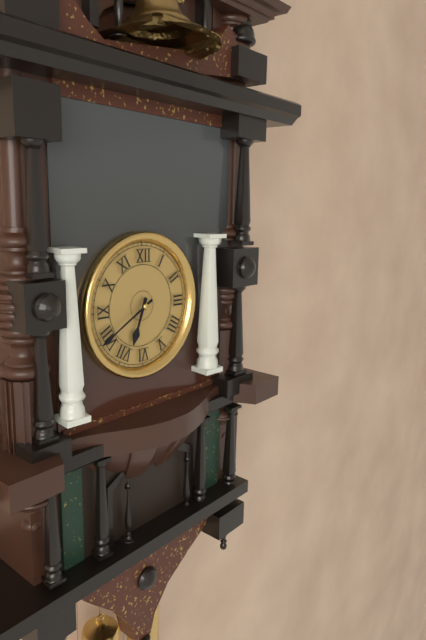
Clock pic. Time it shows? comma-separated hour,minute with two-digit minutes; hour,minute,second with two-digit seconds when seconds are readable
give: 6,40
